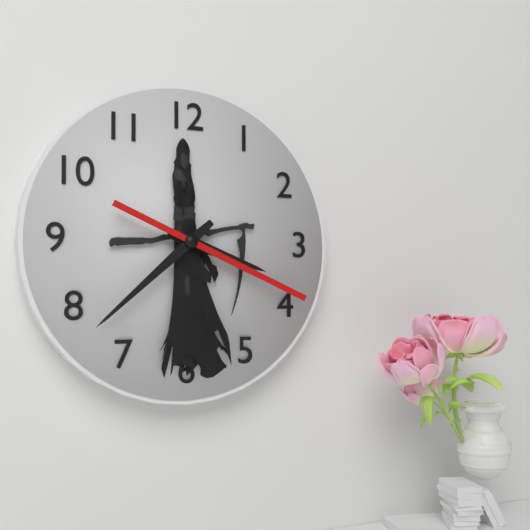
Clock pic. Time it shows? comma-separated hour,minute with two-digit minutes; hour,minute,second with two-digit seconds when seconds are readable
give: 3,38,19
